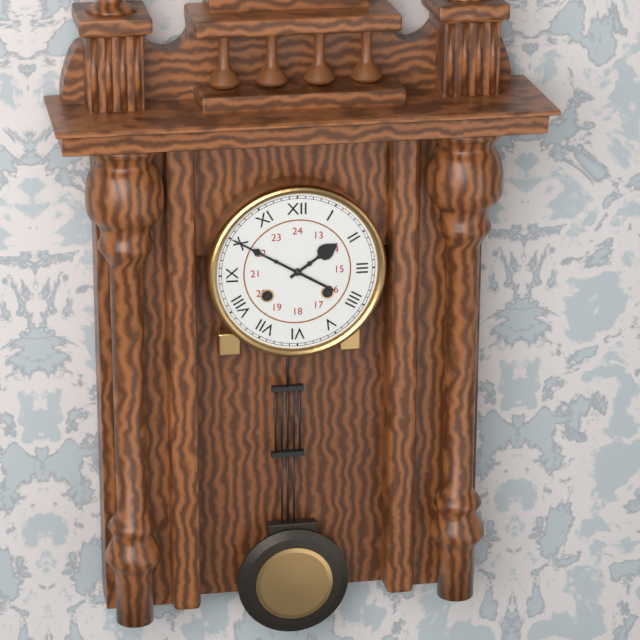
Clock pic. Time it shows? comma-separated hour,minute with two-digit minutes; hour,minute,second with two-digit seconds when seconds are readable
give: 1,50
